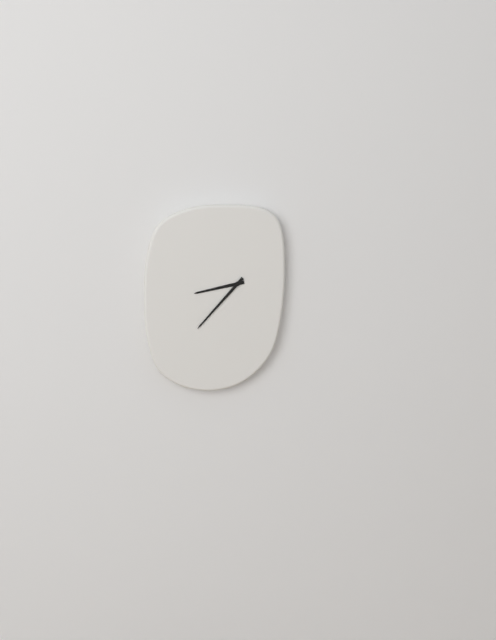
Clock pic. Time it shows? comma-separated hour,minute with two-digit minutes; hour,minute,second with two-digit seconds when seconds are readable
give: 8,37
